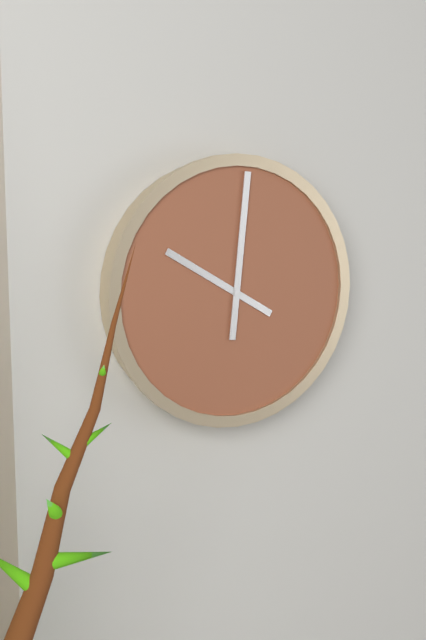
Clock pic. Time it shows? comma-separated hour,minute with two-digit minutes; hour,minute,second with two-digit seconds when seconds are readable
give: 10,01
